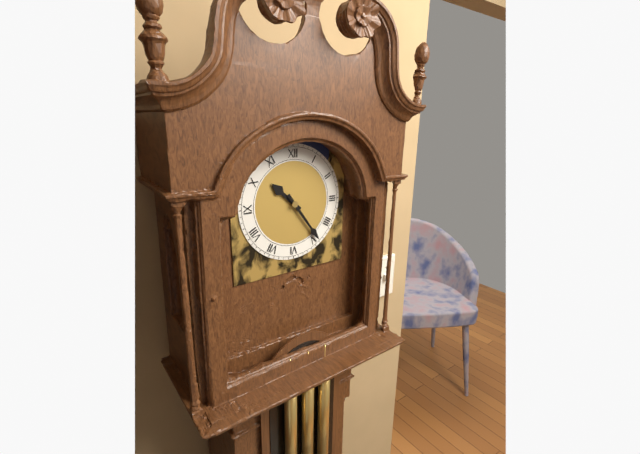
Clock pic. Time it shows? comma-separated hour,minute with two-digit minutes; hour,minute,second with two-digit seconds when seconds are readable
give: 10,24
